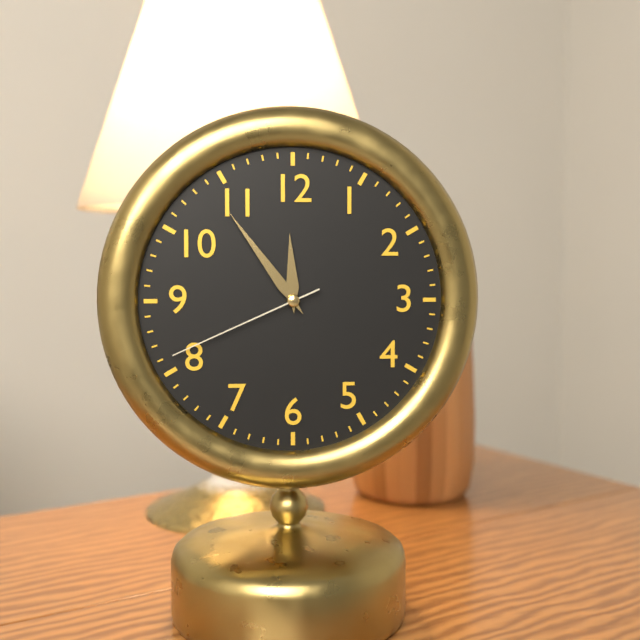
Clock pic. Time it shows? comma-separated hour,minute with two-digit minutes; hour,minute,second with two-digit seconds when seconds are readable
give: 11,54,41
